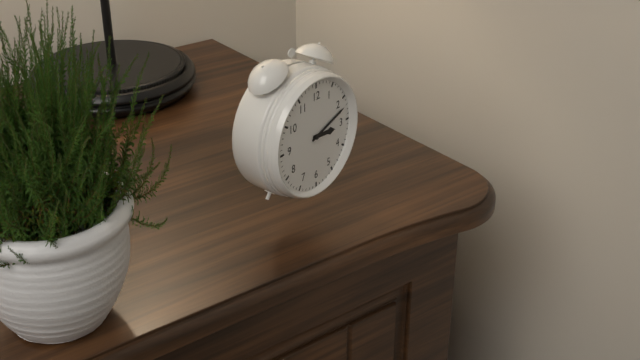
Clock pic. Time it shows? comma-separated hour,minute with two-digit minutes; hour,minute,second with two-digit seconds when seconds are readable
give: 3,12
